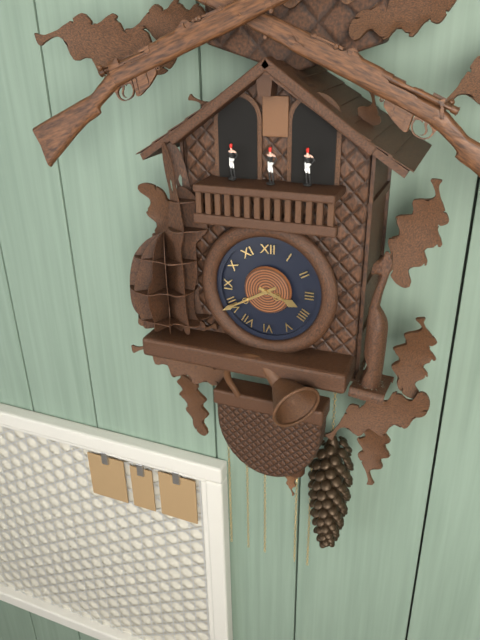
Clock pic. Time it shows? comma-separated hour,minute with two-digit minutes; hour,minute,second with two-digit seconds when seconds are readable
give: 3,40
